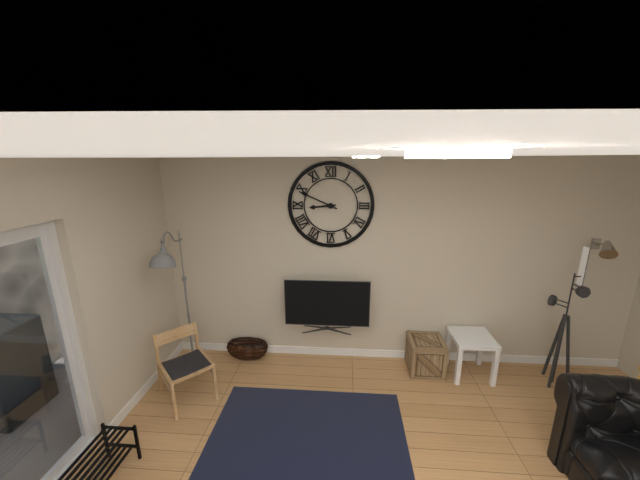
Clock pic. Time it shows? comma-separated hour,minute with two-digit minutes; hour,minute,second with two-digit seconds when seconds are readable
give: 8,49
